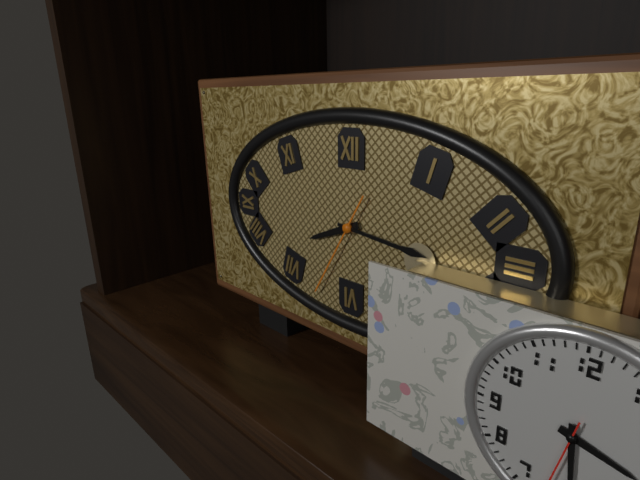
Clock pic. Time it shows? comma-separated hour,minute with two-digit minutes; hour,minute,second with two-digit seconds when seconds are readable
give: 8,16,35
